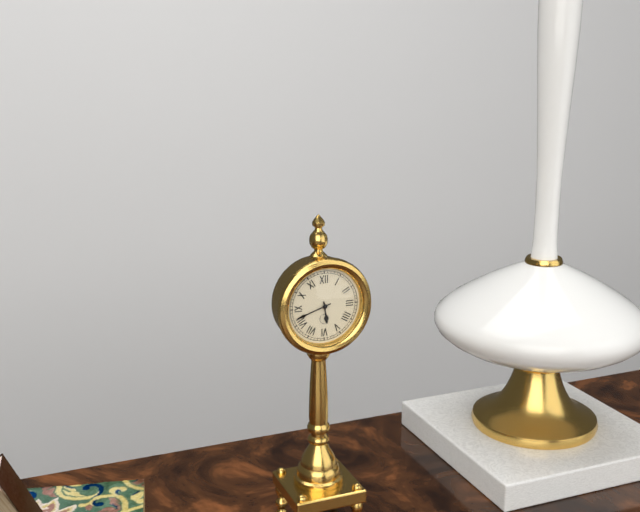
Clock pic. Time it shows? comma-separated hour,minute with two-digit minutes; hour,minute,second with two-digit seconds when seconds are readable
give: 5,42
